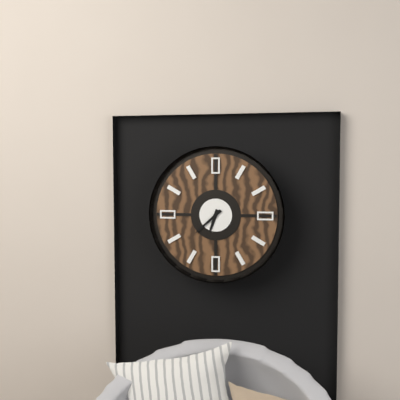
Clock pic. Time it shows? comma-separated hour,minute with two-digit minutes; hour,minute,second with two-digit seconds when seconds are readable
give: 6,38
